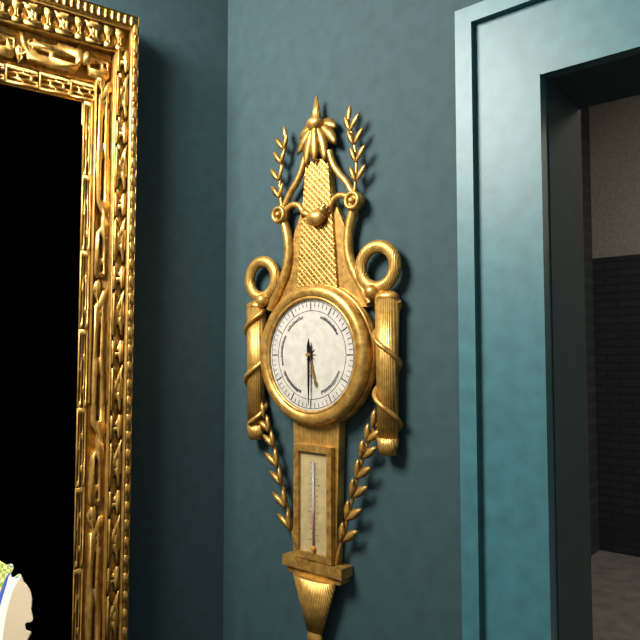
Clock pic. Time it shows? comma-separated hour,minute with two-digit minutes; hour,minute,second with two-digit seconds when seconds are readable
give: 5,30
